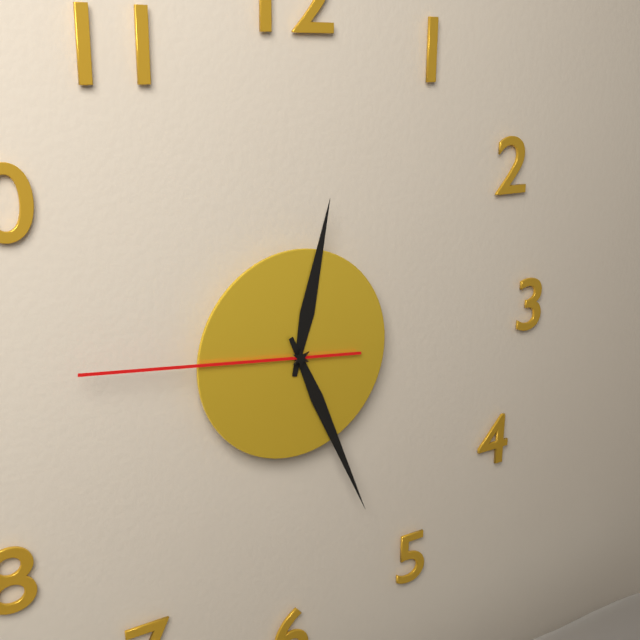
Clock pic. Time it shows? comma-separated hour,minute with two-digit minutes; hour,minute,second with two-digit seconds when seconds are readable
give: 12,26,46
